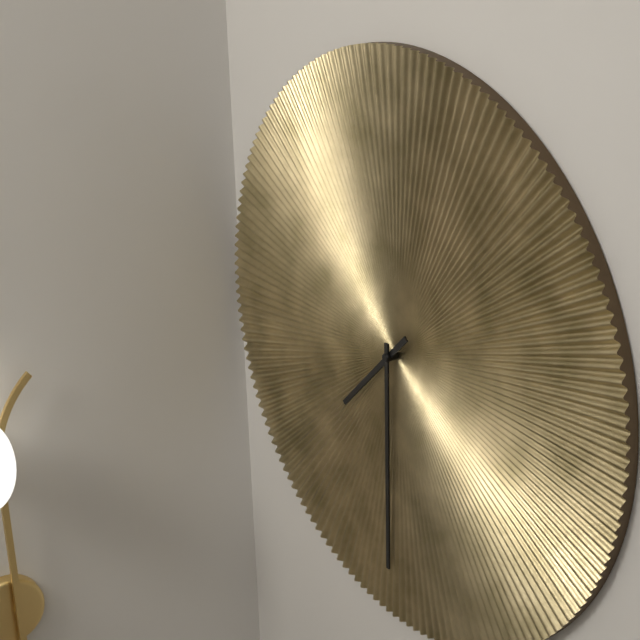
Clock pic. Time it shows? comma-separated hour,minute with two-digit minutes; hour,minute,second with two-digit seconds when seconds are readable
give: 7,30
